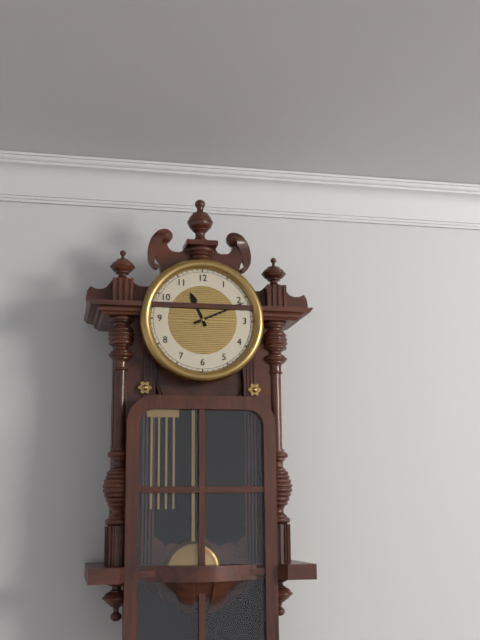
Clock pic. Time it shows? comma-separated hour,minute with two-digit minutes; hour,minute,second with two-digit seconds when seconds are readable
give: 11,11
